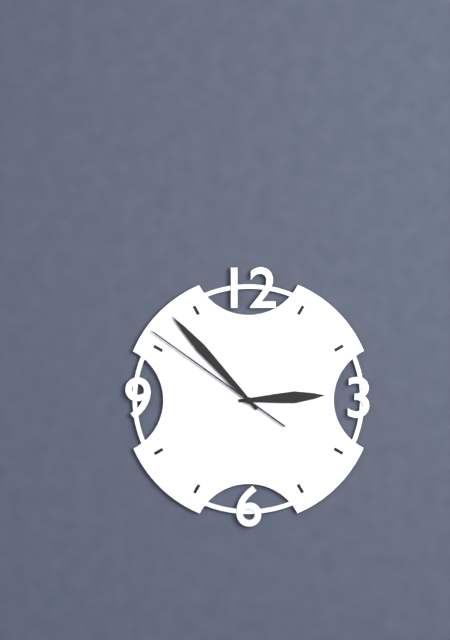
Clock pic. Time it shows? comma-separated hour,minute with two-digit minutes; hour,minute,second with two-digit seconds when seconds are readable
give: 2,53,51
